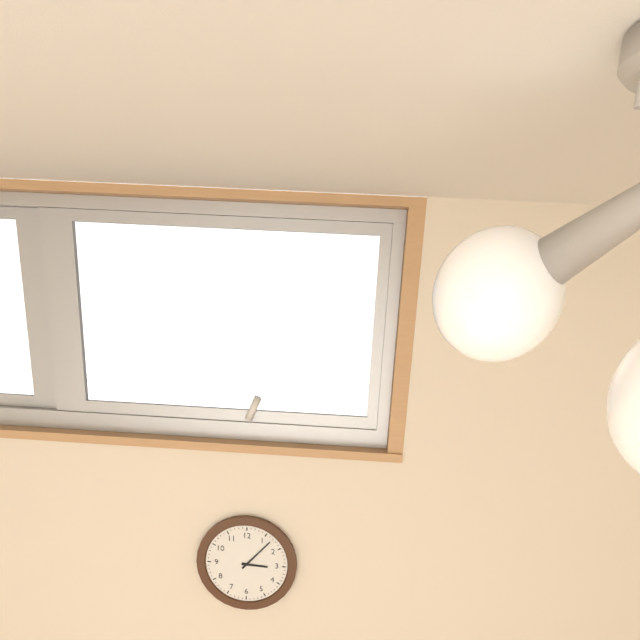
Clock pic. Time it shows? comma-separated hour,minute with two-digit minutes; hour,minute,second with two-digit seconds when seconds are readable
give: 3,07
